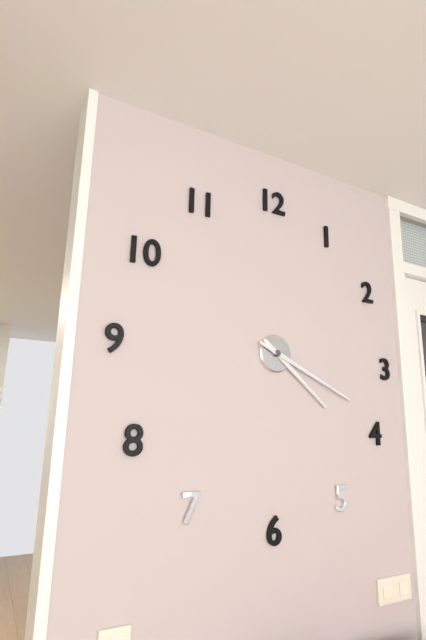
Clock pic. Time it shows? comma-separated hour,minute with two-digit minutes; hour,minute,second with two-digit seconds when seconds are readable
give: 4,19
